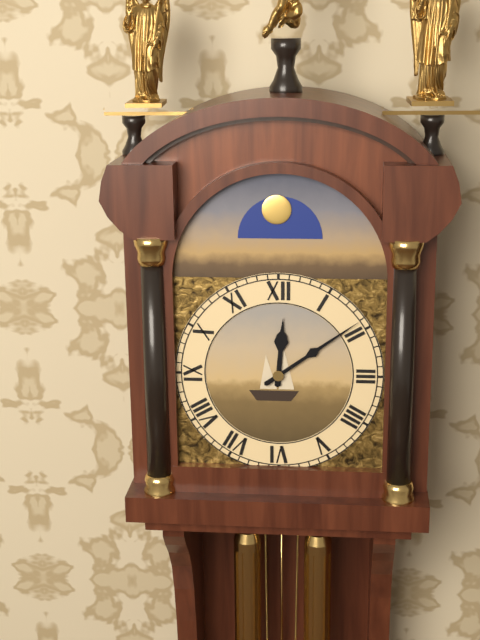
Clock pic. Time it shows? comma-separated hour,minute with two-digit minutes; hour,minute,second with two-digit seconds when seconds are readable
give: 12,09
